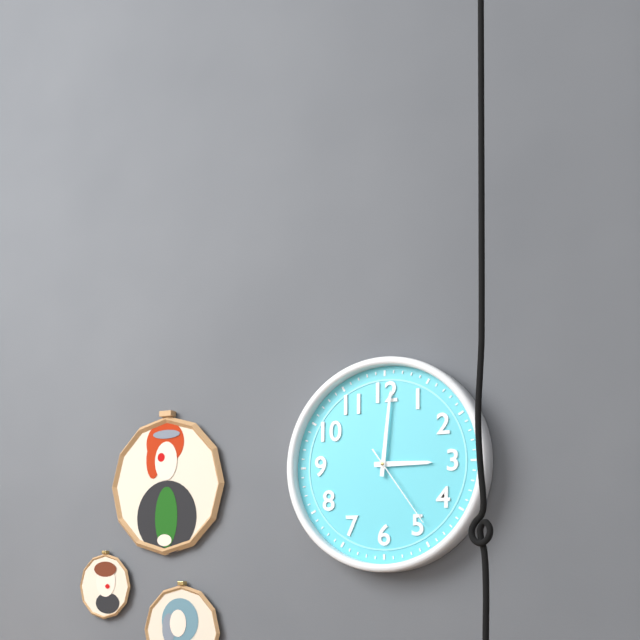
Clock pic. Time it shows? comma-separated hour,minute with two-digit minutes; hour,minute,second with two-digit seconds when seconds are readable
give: 3,01,24
